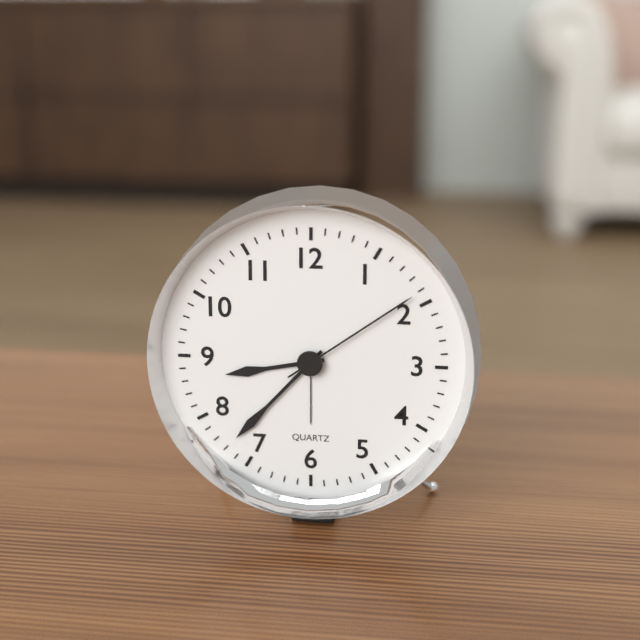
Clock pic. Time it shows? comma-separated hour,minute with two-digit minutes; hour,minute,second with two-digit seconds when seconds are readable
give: 8,37,09
